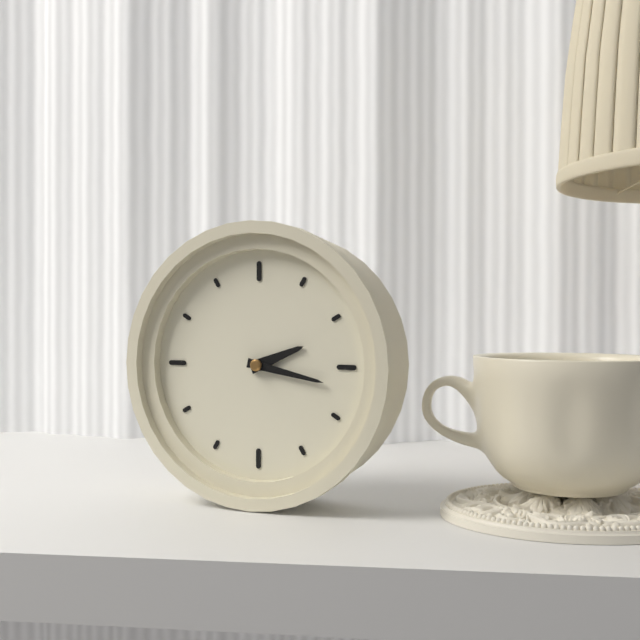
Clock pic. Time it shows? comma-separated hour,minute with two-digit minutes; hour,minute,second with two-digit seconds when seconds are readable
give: 2,17
